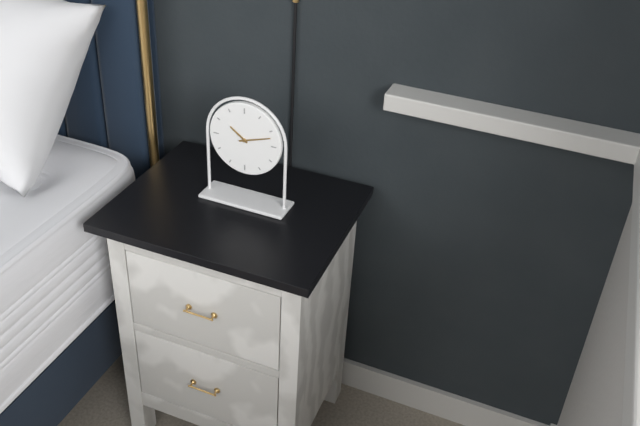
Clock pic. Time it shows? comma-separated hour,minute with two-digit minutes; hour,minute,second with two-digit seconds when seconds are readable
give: 10,12
